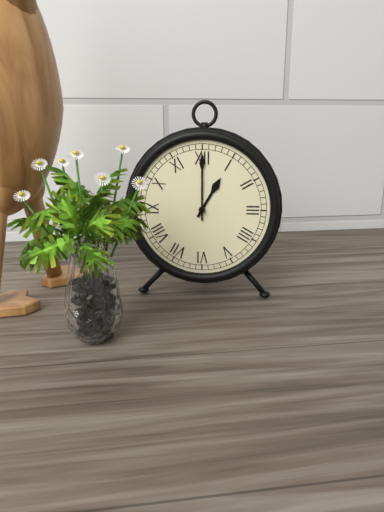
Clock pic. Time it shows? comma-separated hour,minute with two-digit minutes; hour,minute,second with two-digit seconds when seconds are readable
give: 1,00
